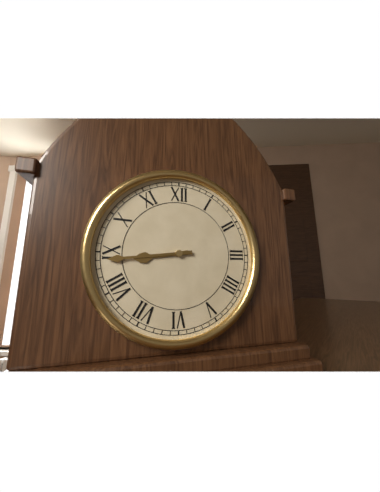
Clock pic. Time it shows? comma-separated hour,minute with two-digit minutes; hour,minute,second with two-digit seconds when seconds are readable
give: 8,44
